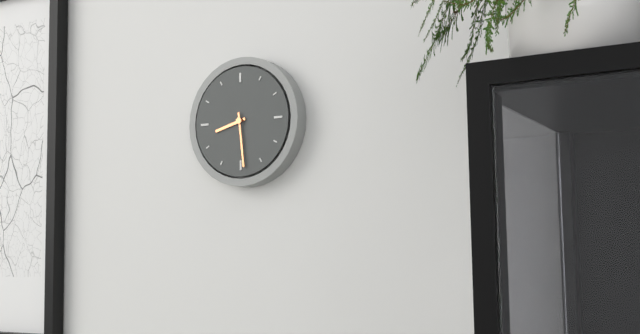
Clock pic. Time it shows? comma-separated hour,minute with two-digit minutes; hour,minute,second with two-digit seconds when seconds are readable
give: 8,29
